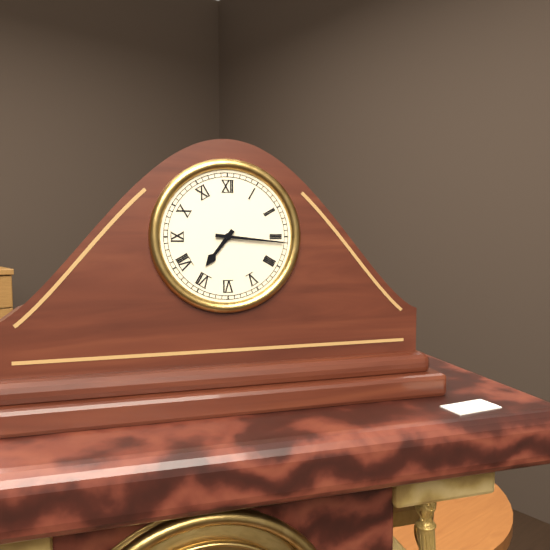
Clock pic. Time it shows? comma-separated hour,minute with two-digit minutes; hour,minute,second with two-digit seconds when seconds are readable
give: 7,16
